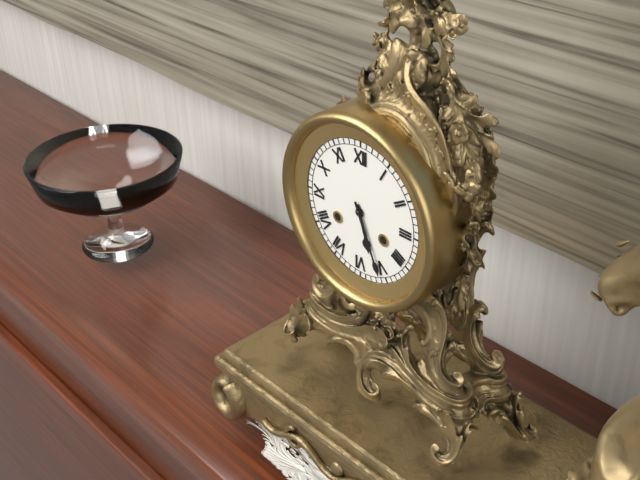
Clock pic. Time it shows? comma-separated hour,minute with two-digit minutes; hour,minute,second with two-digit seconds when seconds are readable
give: 5,26
